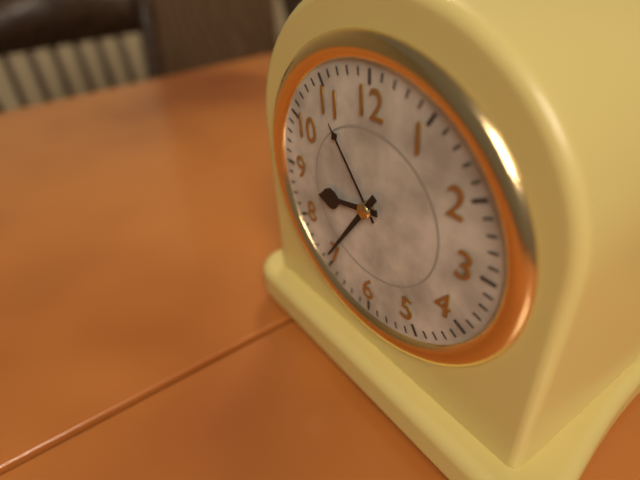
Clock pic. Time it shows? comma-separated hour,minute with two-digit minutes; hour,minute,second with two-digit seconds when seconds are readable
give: 8,36
